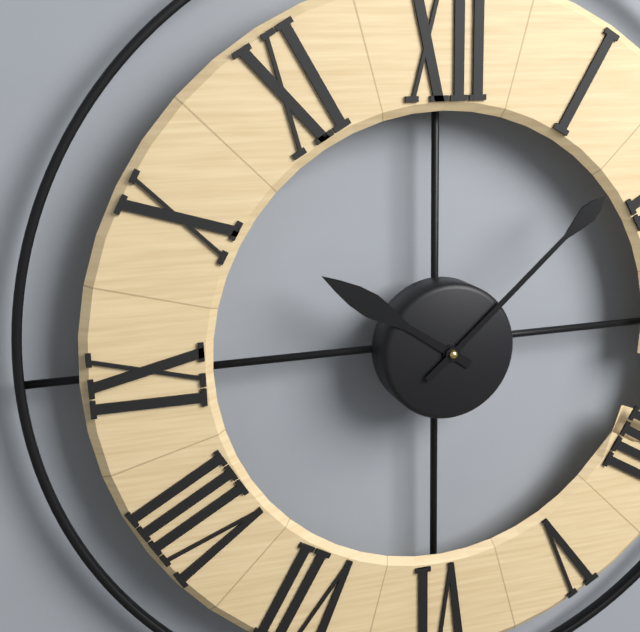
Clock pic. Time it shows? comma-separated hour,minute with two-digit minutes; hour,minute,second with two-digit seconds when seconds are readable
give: 10,08
